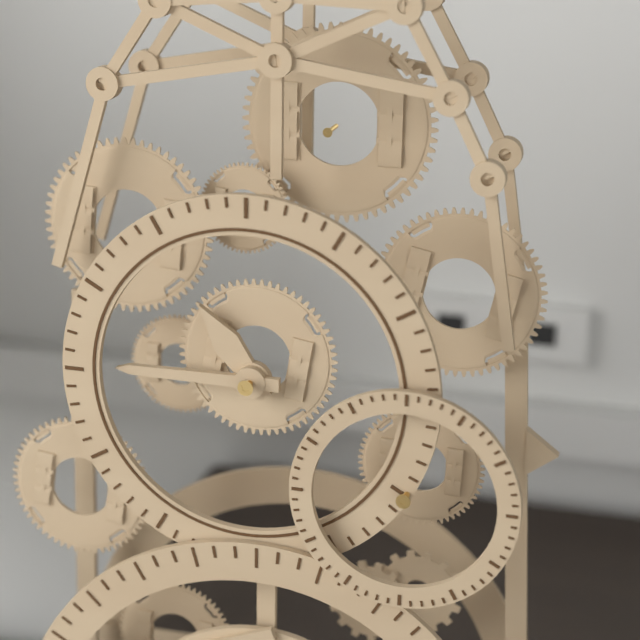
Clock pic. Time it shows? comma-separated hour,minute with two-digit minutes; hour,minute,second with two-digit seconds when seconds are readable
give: 10,45
